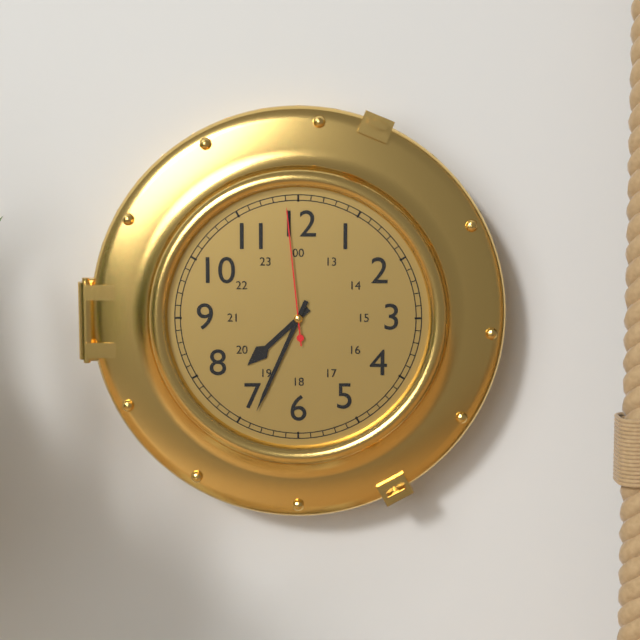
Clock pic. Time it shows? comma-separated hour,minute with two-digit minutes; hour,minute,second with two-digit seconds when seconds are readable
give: 7,34,59
